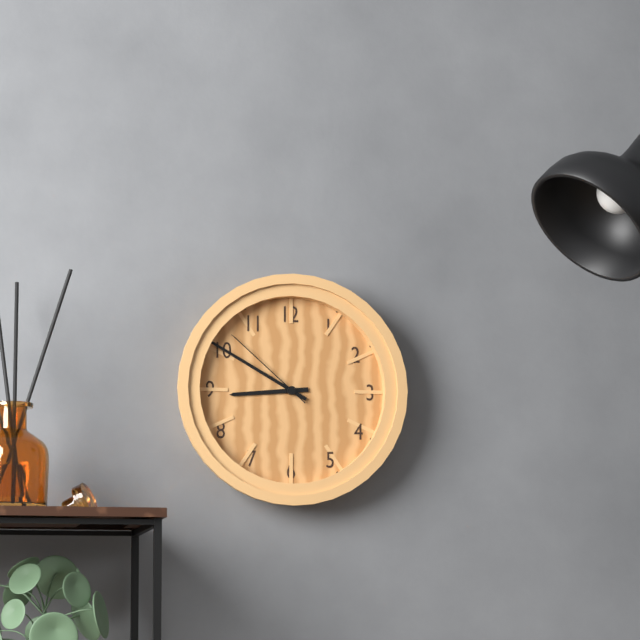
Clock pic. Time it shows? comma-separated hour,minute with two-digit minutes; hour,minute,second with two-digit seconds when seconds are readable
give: 8,50,52
